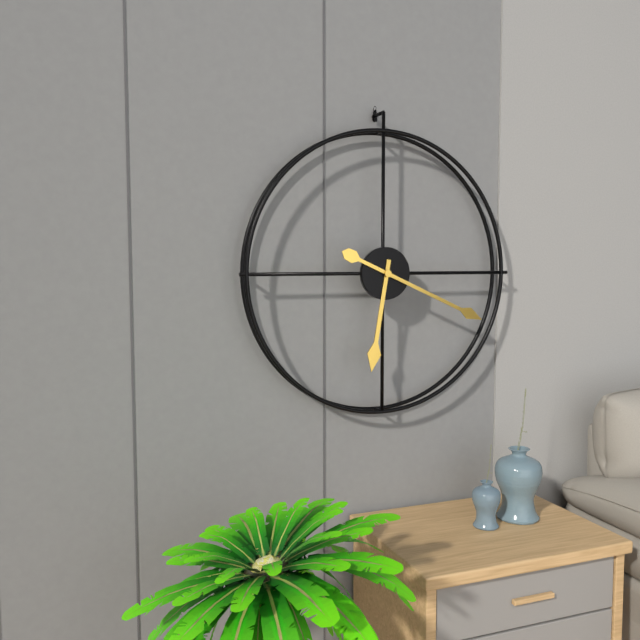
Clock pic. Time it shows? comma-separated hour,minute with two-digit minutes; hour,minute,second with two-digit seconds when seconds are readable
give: 6,19
